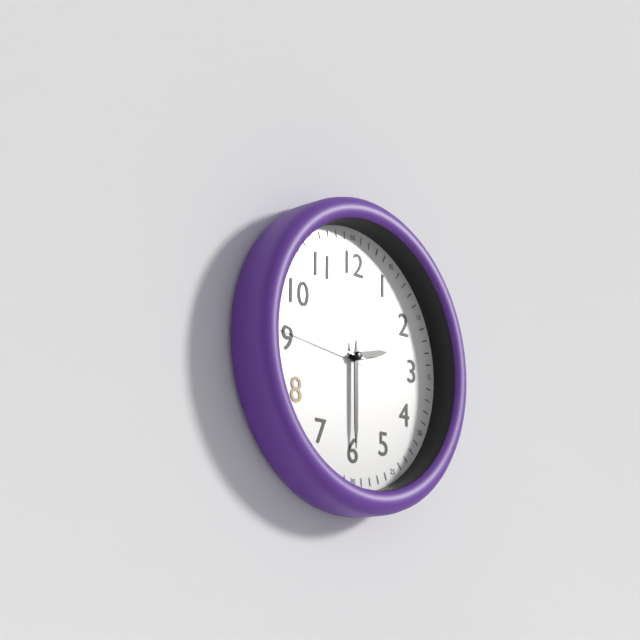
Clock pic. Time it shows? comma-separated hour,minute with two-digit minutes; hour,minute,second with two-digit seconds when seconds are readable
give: 2,30,46
